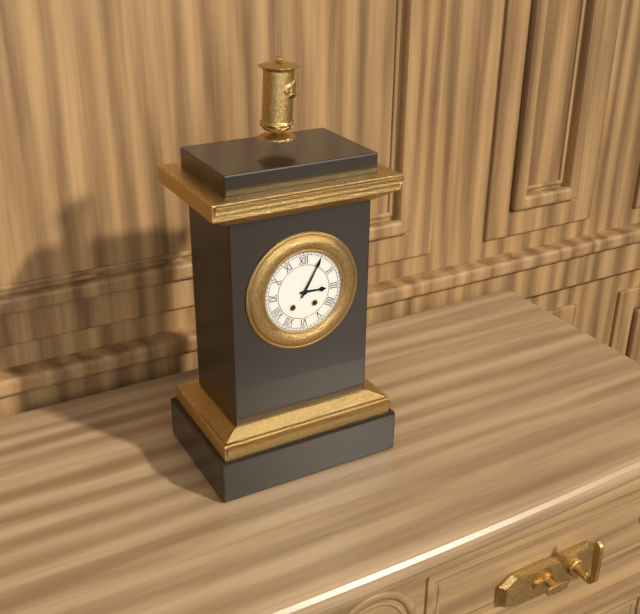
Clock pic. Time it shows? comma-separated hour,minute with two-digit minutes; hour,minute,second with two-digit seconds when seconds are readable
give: 3,05
